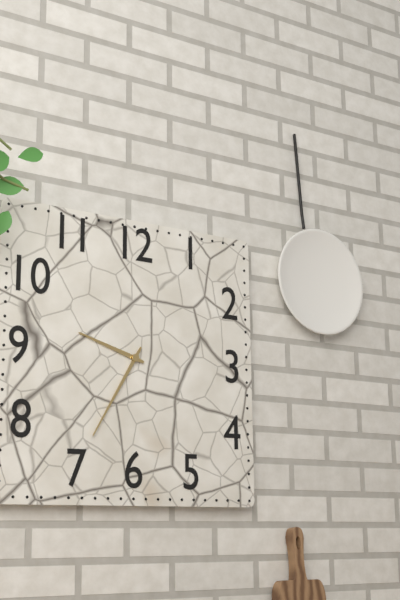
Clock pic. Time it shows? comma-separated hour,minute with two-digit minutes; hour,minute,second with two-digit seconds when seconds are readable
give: 9,35
